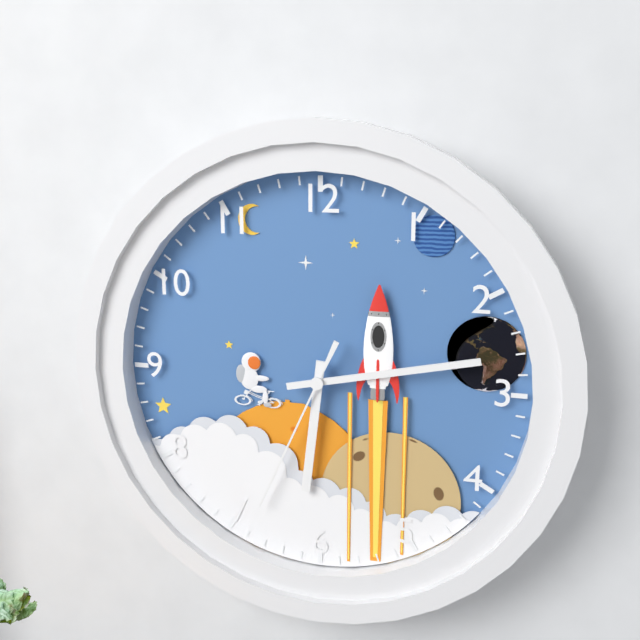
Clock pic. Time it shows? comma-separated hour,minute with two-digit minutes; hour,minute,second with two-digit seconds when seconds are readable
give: 6,13,34
